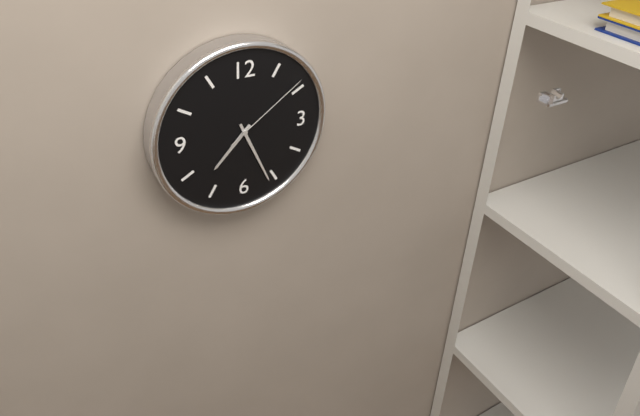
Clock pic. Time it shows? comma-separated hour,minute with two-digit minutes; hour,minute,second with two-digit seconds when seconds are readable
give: 7,26,09
